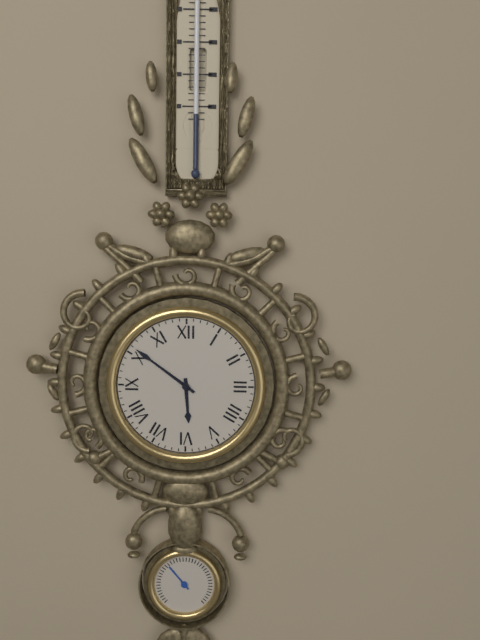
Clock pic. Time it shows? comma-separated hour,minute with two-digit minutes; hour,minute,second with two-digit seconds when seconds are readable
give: 5,51
